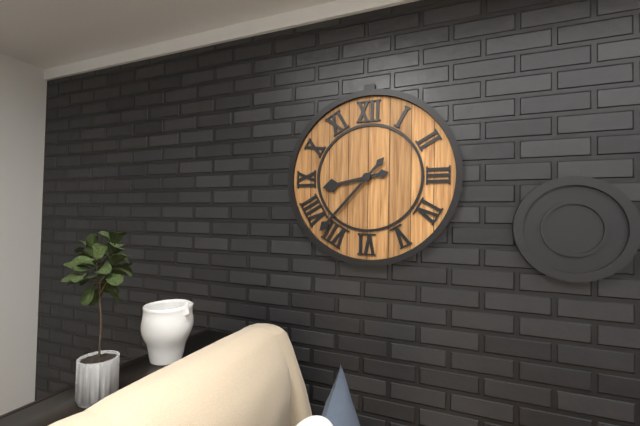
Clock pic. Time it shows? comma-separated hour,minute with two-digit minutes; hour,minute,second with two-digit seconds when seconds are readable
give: 8,37
